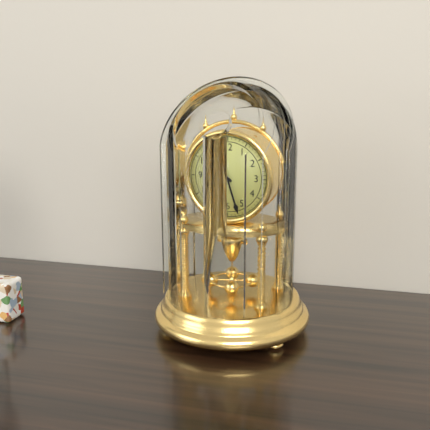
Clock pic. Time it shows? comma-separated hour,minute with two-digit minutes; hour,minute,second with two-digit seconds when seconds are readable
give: 10,27
